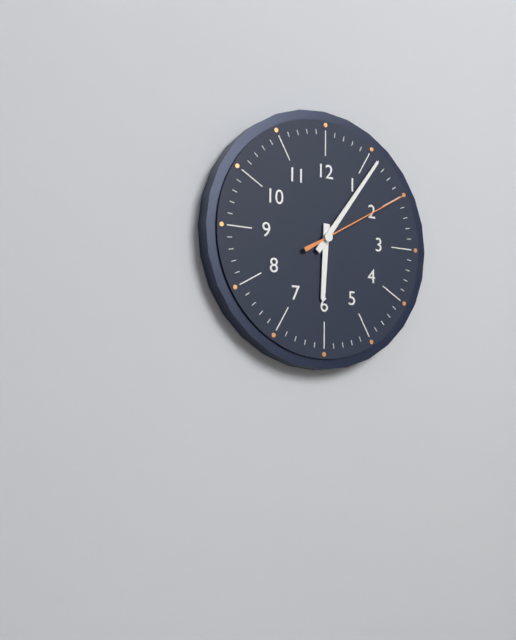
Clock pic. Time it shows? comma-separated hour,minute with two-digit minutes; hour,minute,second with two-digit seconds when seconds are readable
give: 6,06,10
